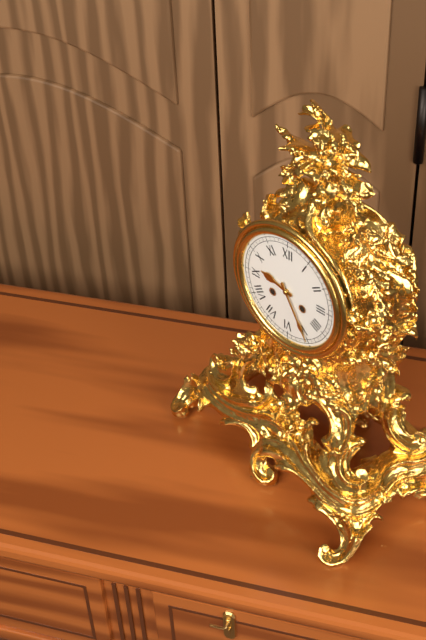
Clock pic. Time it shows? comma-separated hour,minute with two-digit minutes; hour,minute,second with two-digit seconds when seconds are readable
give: 9,25
